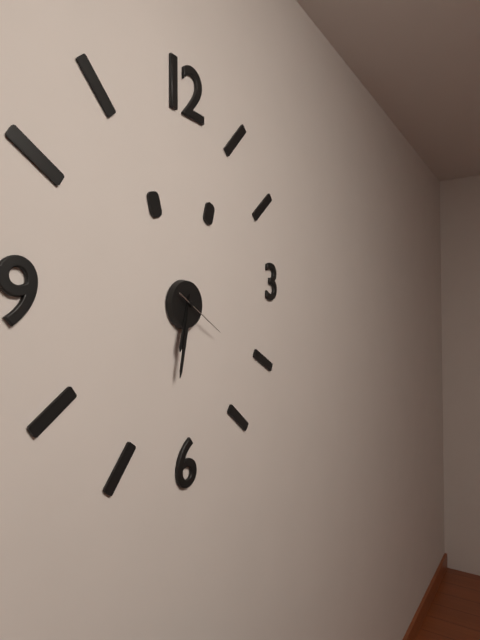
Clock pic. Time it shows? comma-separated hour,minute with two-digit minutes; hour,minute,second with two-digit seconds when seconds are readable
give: 6,32,20
